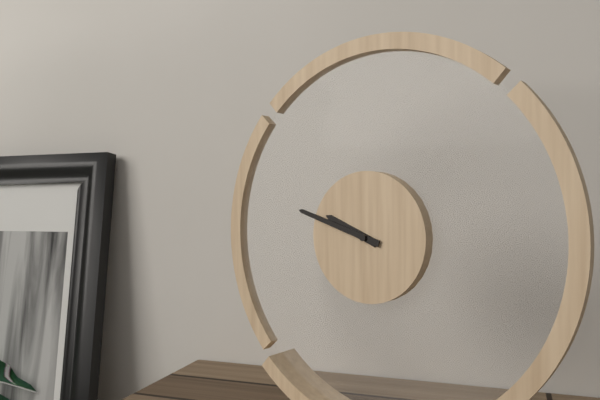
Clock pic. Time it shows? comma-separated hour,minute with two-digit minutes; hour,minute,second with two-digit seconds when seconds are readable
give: 9,48
